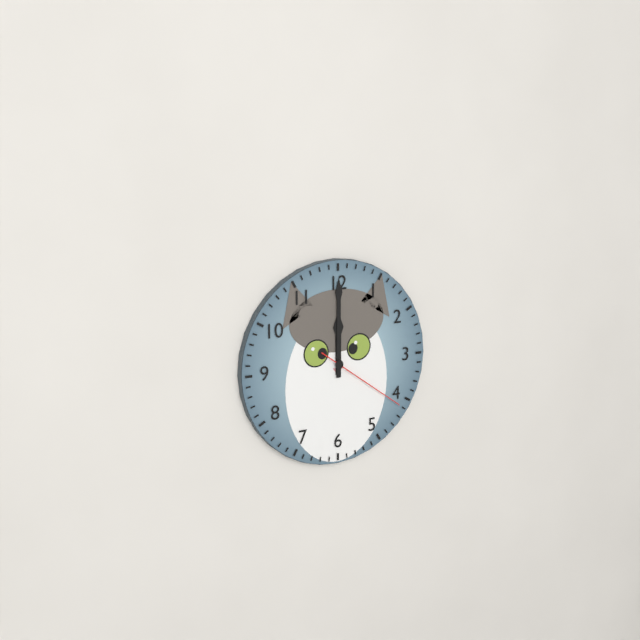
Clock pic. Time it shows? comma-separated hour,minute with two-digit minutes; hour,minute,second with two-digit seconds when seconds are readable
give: 12,00,21
